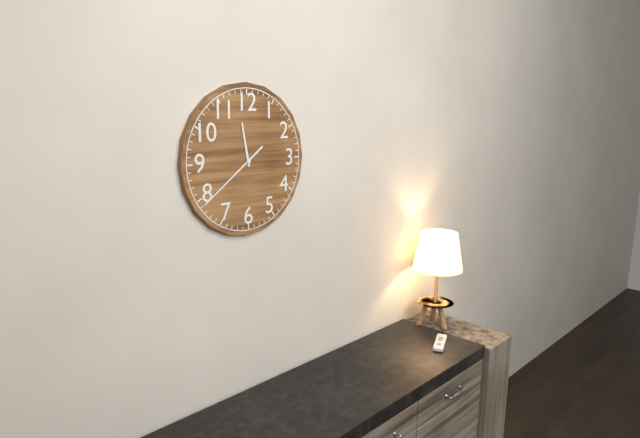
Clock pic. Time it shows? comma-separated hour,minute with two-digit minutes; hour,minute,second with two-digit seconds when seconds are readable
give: 11,39
